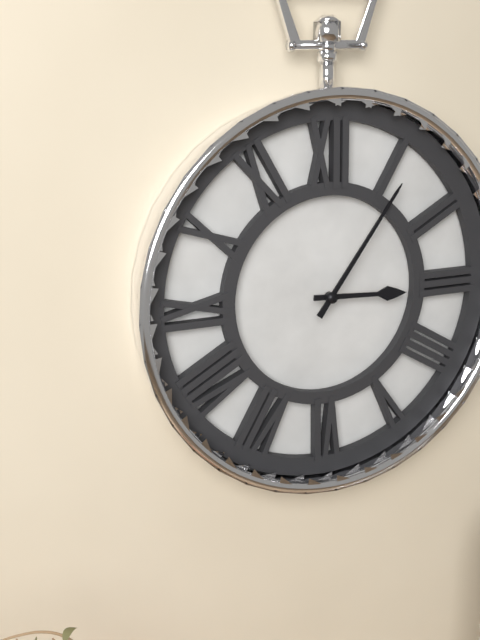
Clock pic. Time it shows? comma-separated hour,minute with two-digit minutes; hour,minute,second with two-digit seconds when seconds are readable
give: 3,06
